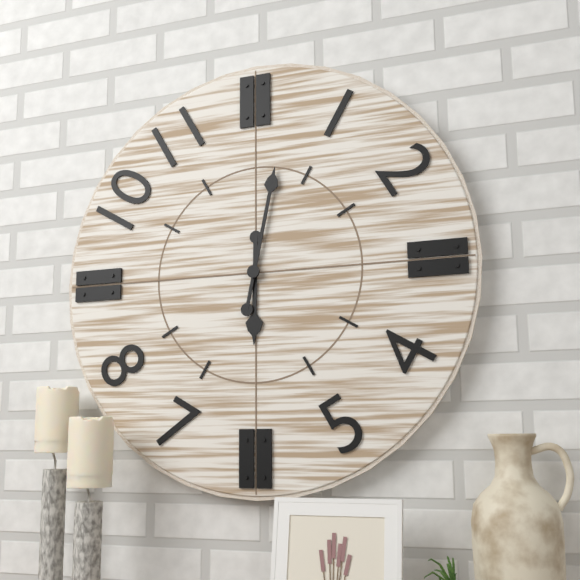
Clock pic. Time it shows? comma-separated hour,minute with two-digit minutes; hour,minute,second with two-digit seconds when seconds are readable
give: 6,02
